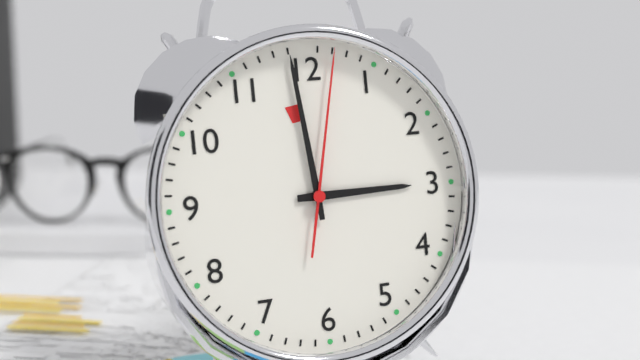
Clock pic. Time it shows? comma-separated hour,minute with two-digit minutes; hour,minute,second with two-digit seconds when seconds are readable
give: 2,59,02
